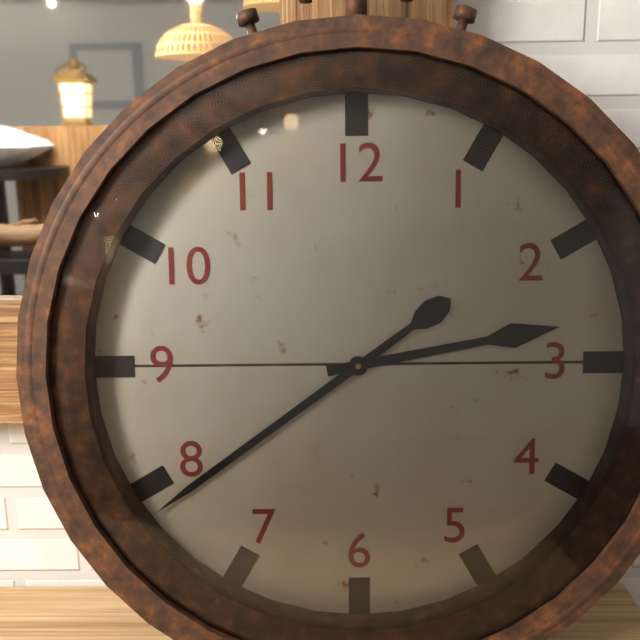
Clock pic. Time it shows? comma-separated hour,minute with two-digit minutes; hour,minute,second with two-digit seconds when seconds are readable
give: 2,39
